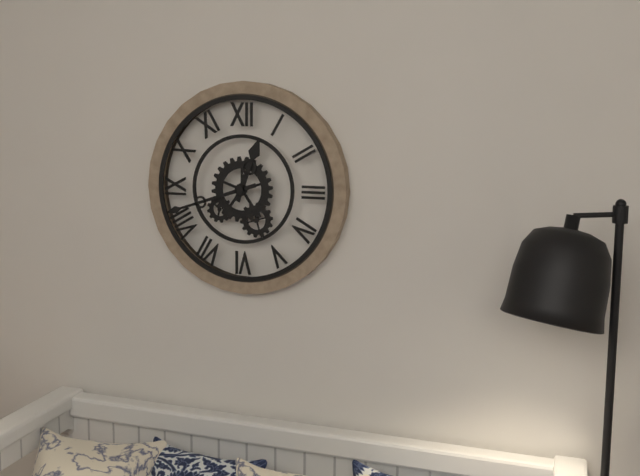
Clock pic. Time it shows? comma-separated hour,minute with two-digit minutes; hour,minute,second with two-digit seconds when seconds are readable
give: 12,42
